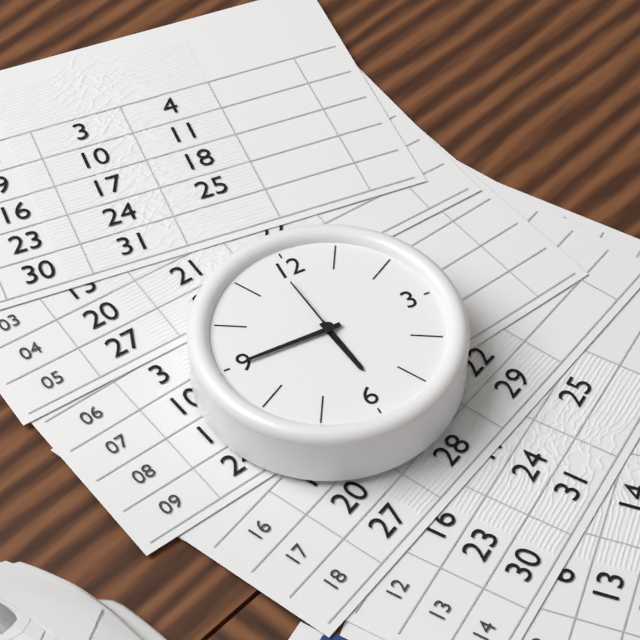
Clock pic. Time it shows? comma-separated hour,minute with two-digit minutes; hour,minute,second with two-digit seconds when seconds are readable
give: 5,45,59
